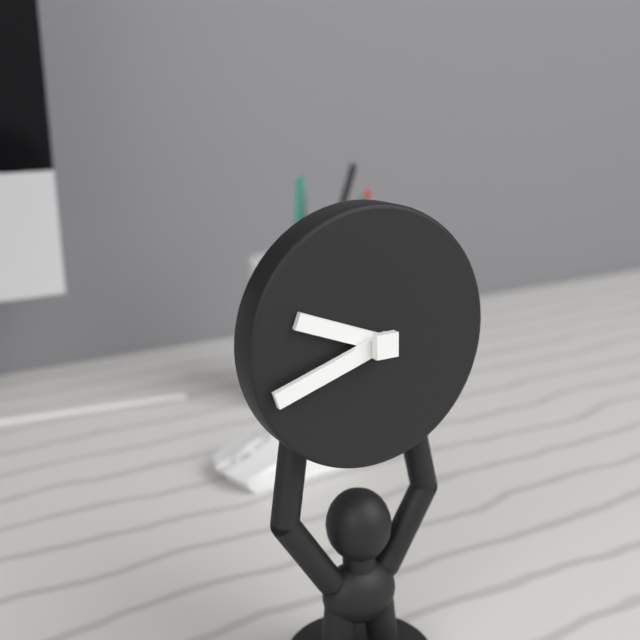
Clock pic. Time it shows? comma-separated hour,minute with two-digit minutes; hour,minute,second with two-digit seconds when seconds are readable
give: 9,42
